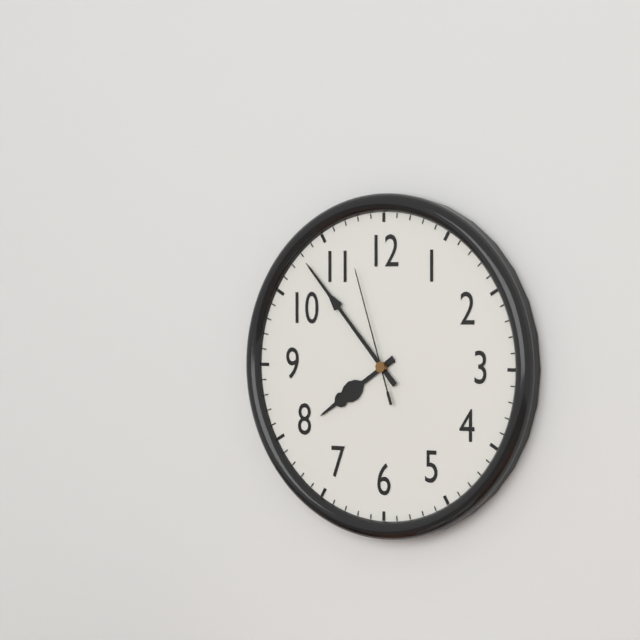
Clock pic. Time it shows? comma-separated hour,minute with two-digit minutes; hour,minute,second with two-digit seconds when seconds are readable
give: 7,53,57
